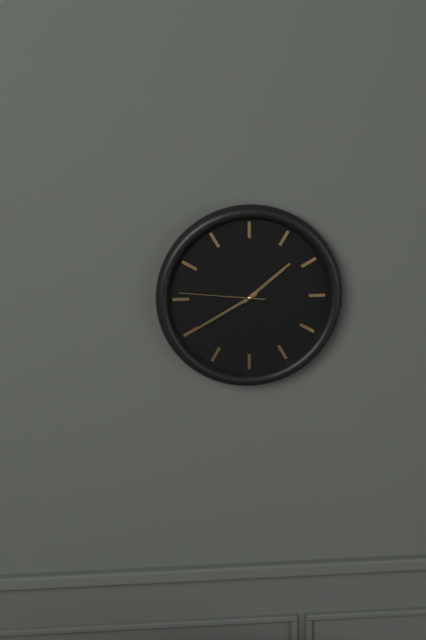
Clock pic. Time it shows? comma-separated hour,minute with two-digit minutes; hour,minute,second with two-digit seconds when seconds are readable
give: 1,40,46
